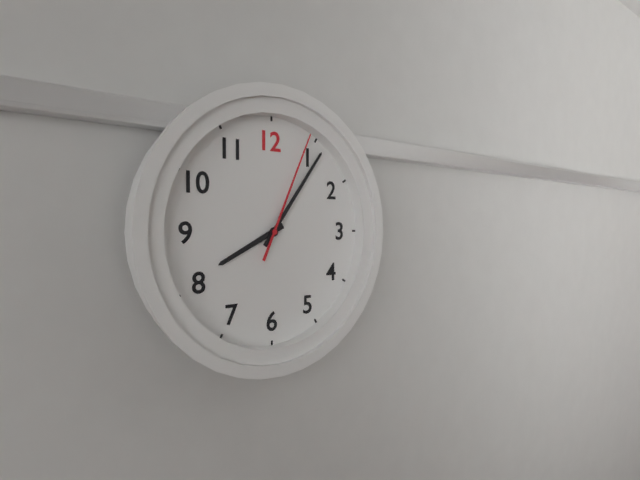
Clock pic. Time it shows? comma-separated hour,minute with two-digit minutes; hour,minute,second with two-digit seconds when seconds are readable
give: 8,06,04
